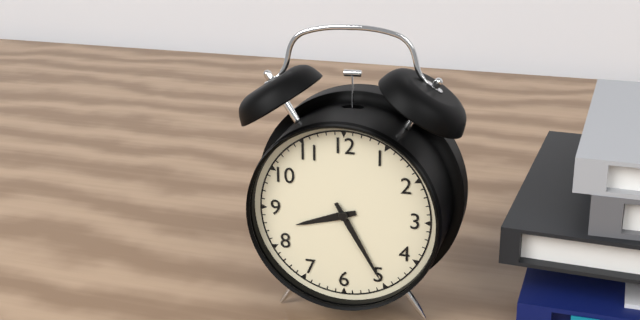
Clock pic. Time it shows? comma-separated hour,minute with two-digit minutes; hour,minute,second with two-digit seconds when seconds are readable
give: 8,25
